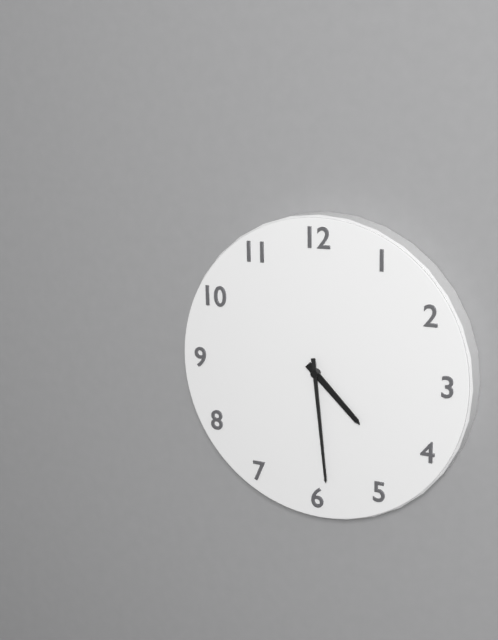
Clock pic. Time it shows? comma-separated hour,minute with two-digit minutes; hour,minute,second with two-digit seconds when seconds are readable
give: 4,29
